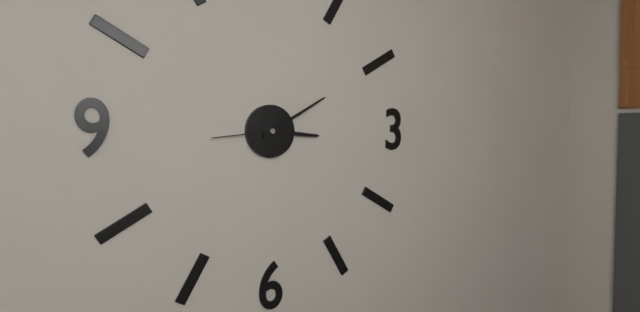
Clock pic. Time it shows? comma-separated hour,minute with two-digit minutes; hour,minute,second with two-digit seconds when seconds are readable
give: 3,10,44
